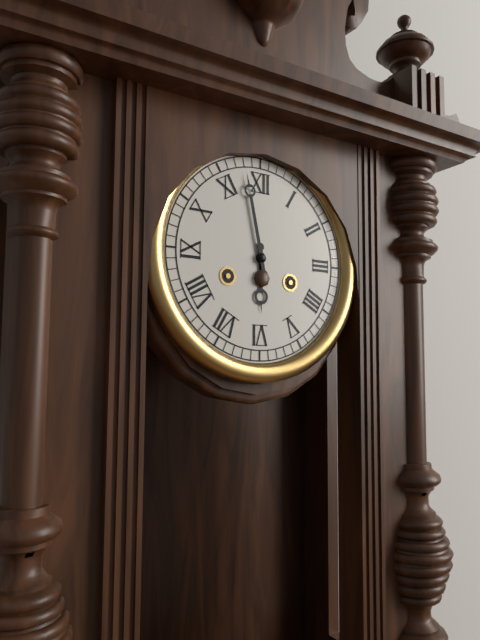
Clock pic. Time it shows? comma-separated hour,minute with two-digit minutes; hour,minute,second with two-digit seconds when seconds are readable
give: 5,58
